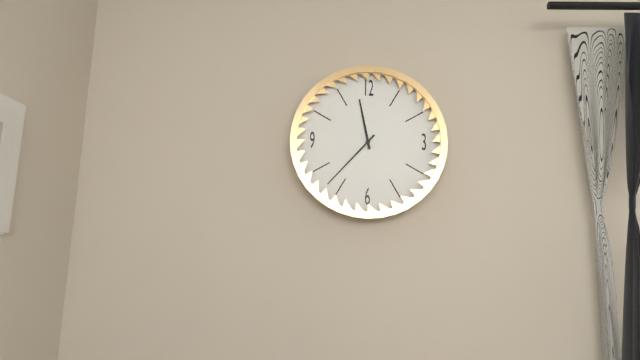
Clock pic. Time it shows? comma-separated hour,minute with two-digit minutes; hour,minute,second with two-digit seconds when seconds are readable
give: 11,37
